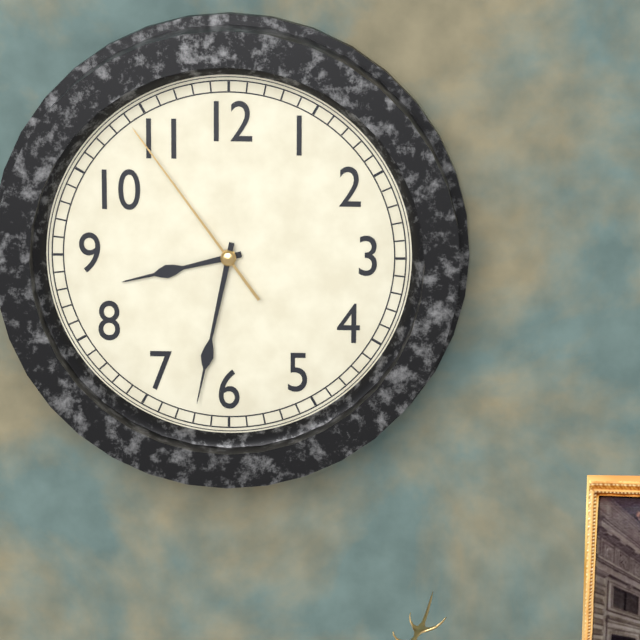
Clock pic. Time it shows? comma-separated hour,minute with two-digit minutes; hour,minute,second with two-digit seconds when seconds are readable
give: 8,32,54
